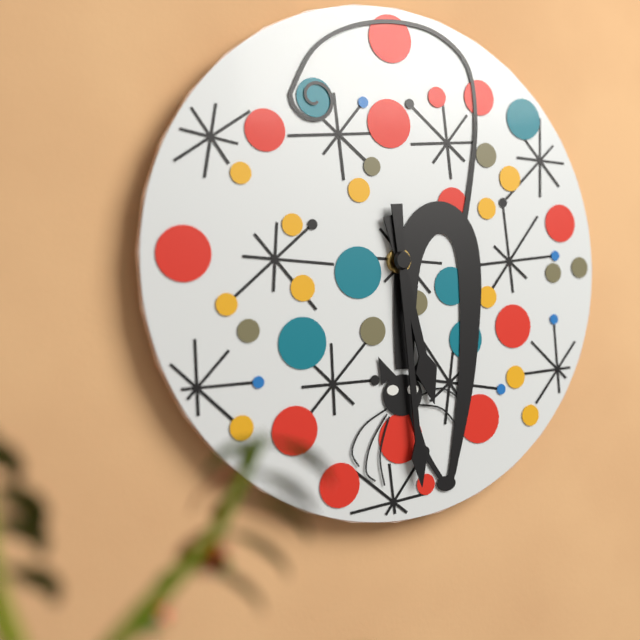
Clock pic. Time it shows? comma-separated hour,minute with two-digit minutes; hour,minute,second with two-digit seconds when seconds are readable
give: 5,29
